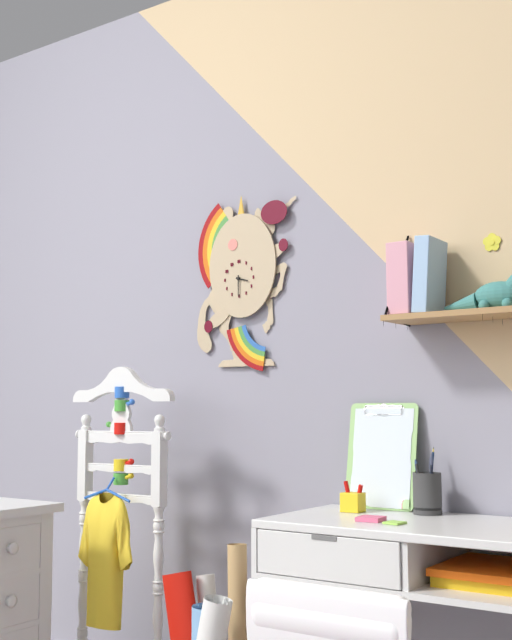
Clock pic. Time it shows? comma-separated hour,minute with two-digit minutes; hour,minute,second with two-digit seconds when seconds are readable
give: 3,30
